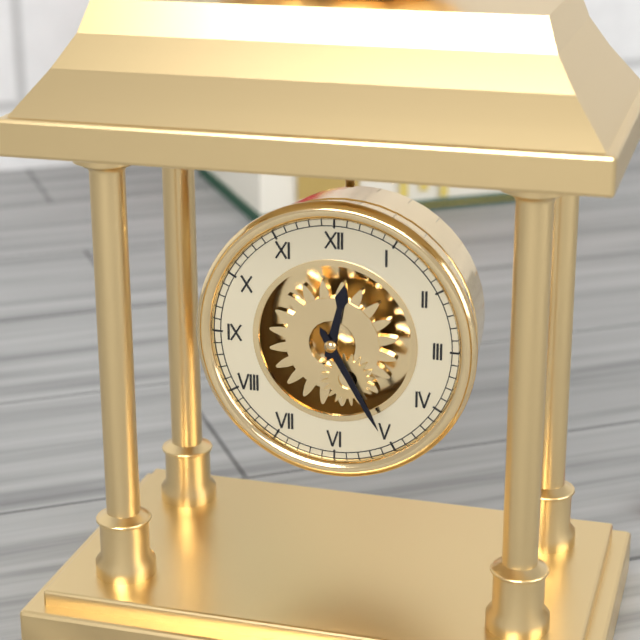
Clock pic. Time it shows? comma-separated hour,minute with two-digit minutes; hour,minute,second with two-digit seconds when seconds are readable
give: 12,25
